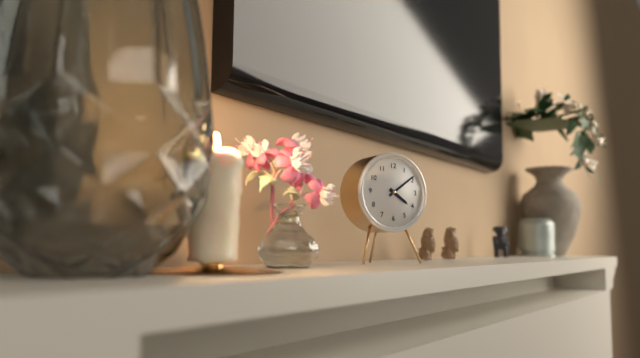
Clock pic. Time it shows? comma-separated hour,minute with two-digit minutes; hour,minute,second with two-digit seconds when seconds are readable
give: 4,09
